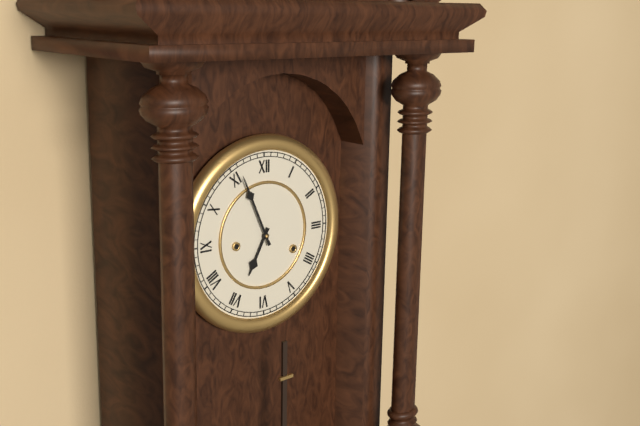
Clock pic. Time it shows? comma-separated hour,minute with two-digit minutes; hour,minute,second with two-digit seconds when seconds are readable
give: 6,56
